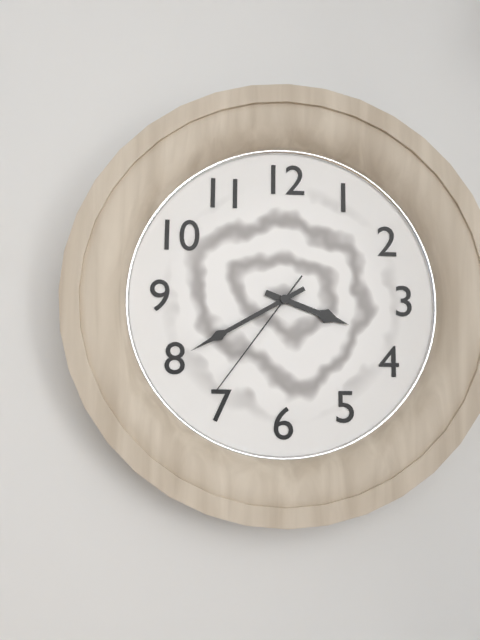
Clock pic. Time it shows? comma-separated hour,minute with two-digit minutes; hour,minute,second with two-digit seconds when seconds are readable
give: 3,40,36
